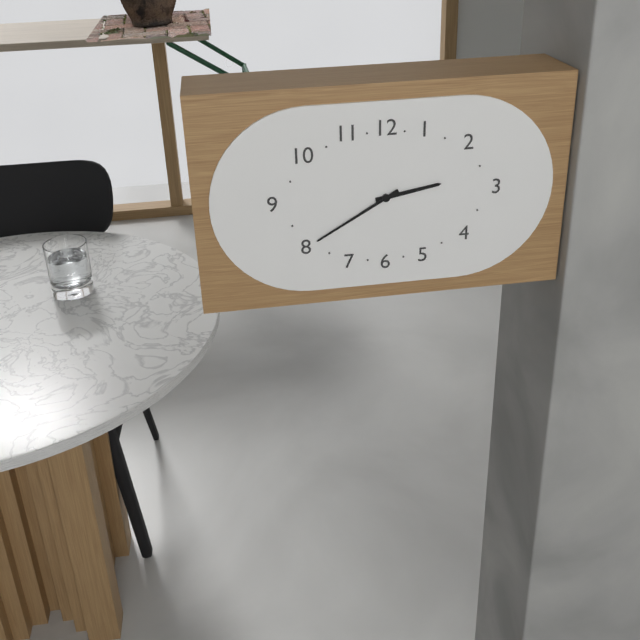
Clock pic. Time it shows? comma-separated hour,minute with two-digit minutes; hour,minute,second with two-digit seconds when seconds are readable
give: 2,40
